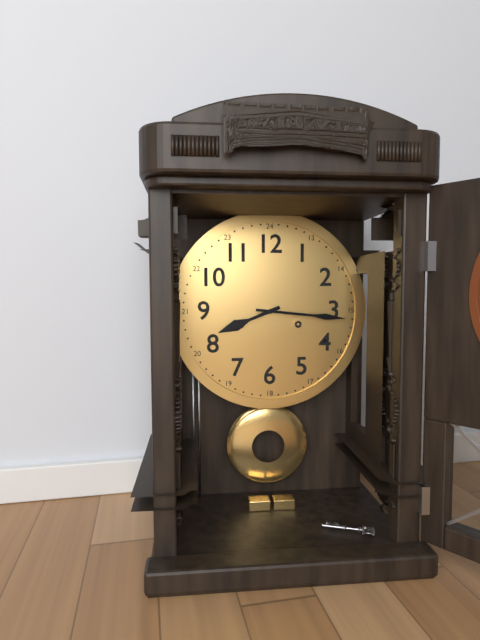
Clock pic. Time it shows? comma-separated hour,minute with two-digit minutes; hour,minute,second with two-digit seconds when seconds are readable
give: 8,16
